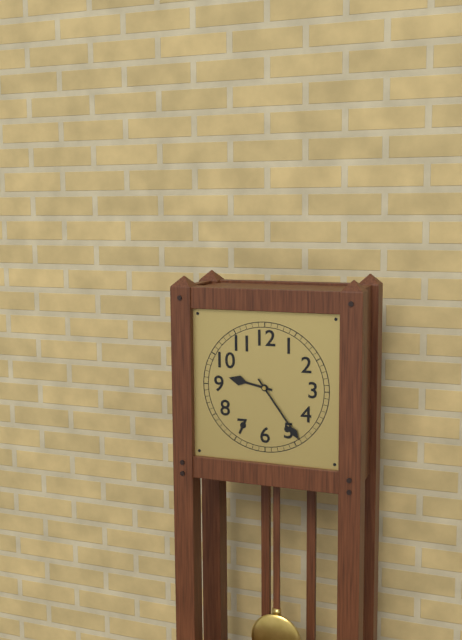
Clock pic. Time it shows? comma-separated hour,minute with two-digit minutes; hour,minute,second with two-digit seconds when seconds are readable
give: 9,24
